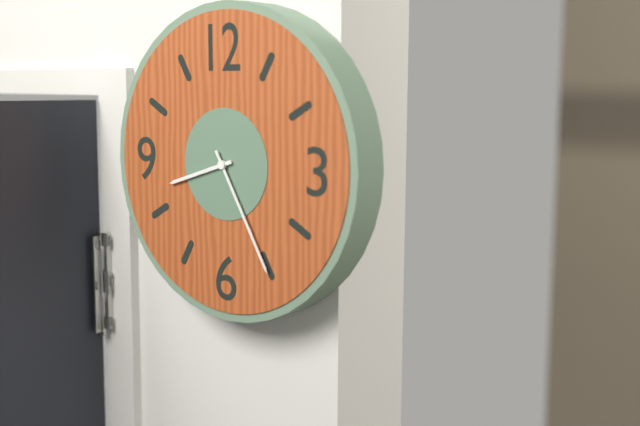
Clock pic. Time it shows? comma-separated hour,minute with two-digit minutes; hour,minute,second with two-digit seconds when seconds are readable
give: 8,25
